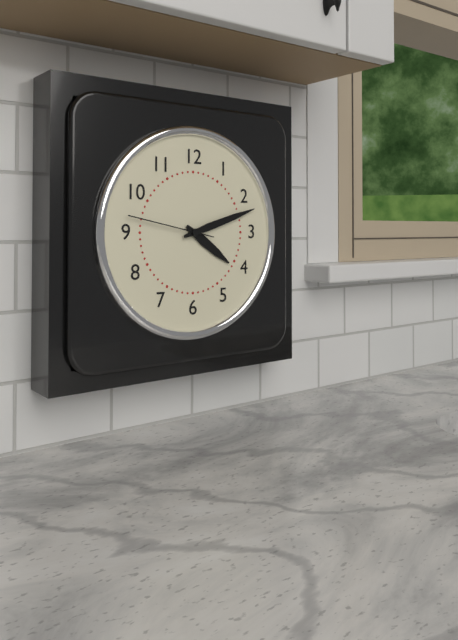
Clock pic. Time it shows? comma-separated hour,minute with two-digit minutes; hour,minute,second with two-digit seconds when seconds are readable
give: 4,12,47
